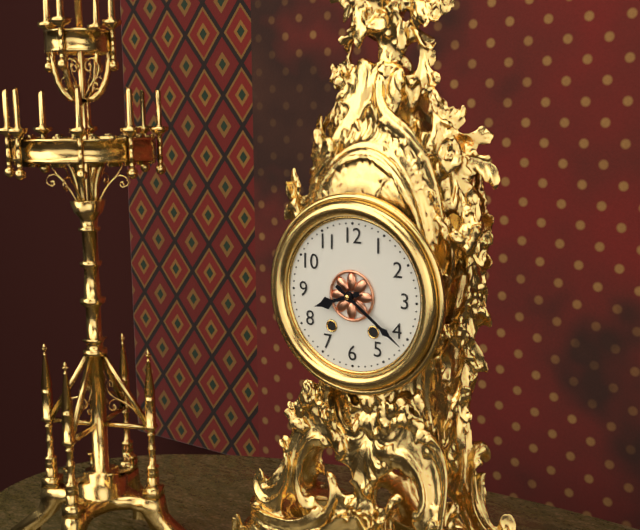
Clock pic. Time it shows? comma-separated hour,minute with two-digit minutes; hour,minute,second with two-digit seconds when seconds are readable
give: 8,21
